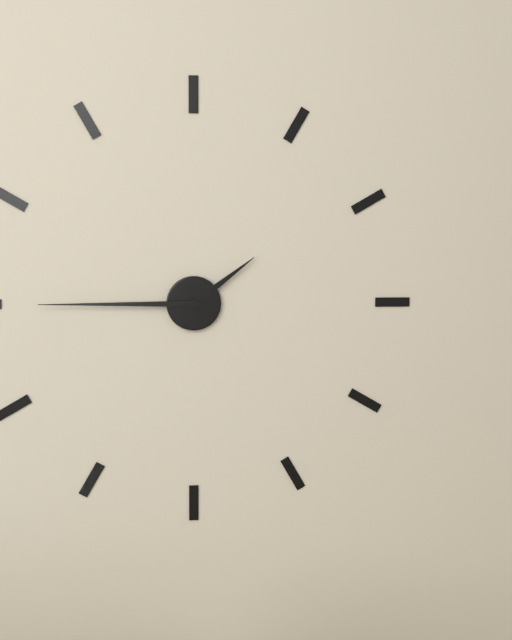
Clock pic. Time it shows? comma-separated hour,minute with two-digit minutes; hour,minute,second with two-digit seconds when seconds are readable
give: 1,45
